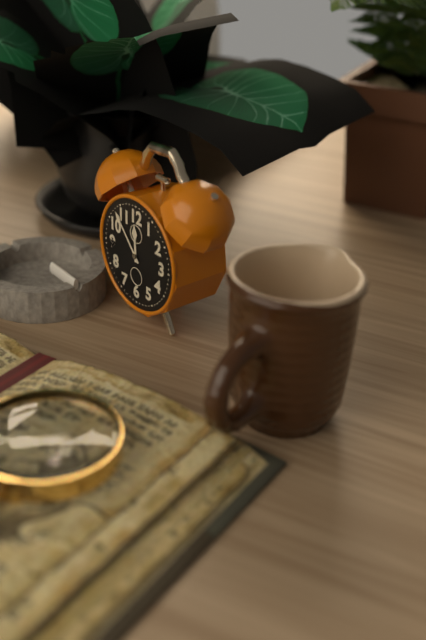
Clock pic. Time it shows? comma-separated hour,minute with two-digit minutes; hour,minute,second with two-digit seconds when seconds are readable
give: 11,53
